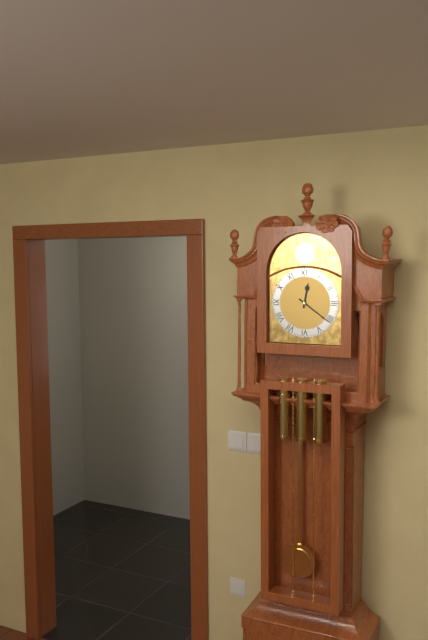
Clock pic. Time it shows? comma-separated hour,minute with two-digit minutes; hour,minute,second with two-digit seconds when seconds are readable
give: 12,21
